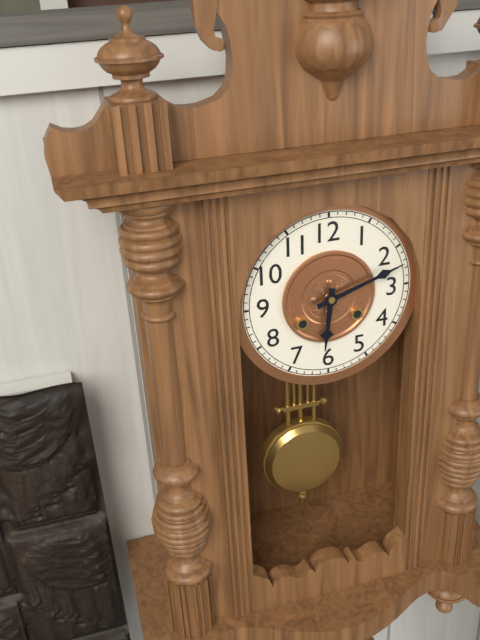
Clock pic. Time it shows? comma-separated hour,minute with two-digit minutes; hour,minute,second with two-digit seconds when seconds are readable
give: 6,12
